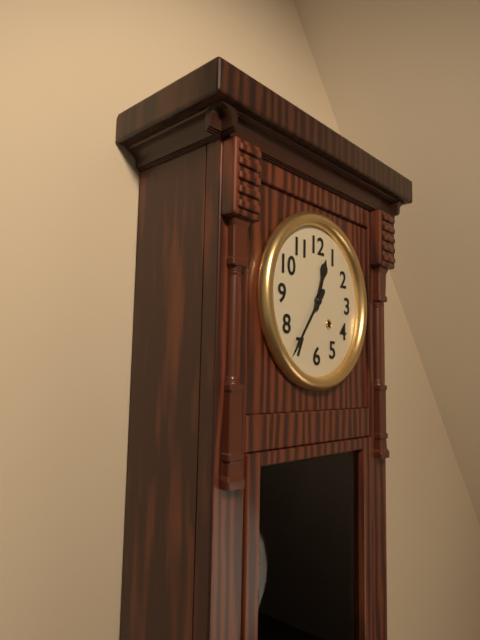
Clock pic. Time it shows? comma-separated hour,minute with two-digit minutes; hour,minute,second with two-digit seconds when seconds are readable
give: 12,36
